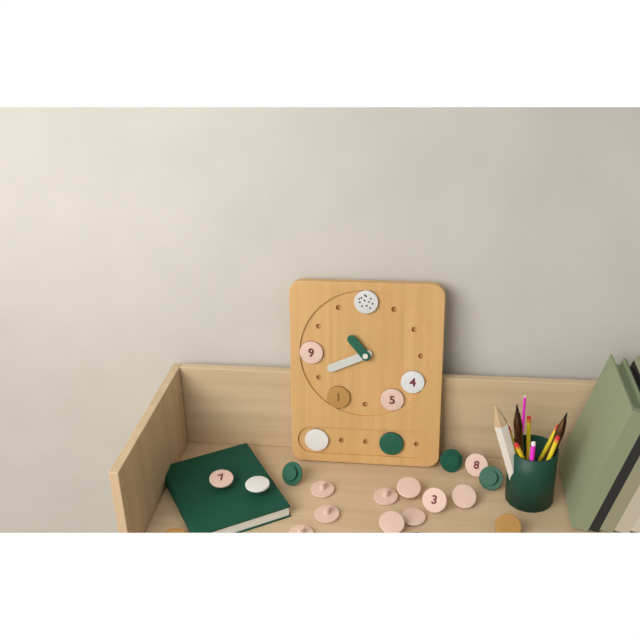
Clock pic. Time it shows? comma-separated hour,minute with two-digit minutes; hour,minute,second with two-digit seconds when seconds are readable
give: 10,41
